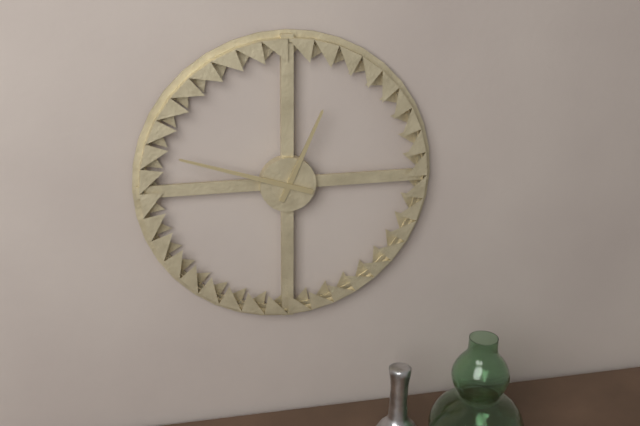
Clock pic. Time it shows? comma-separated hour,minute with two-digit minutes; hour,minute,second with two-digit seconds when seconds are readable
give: 12,48
